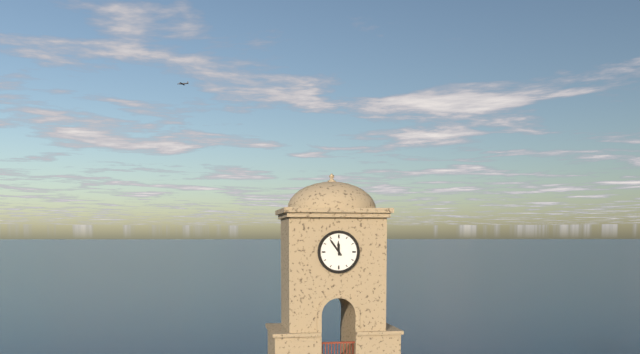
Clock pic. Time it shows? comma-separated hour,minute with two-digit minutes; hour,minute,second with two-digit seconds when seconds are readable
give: 11,54
